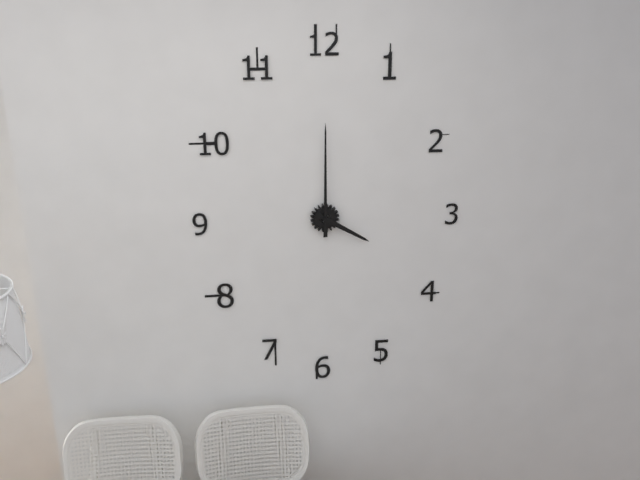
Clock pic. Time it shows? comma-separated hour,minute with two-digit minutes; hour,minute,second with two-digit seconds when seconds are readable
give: 4,00
